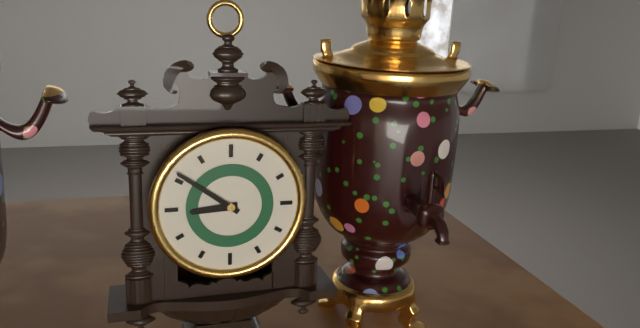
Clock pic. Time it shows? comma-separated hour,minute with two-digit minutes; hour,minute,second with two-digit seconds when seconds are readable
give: 8,51
